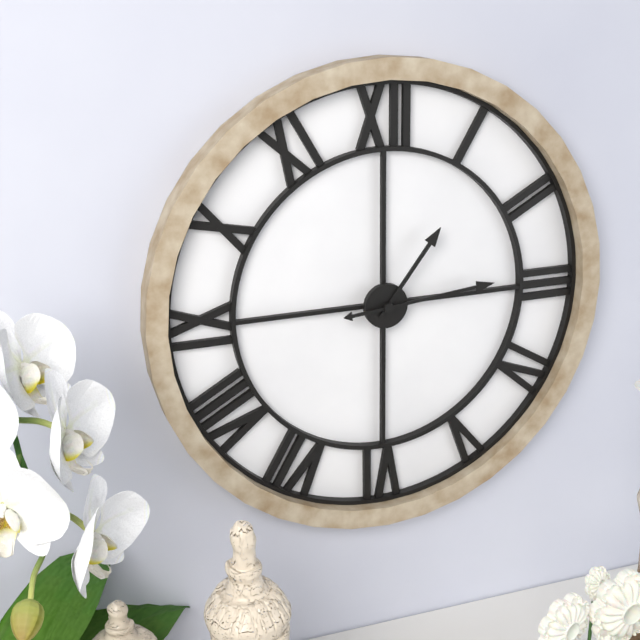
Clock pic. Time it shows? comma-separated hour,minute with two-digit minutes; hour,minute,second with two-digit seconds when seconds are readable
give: 1,14
